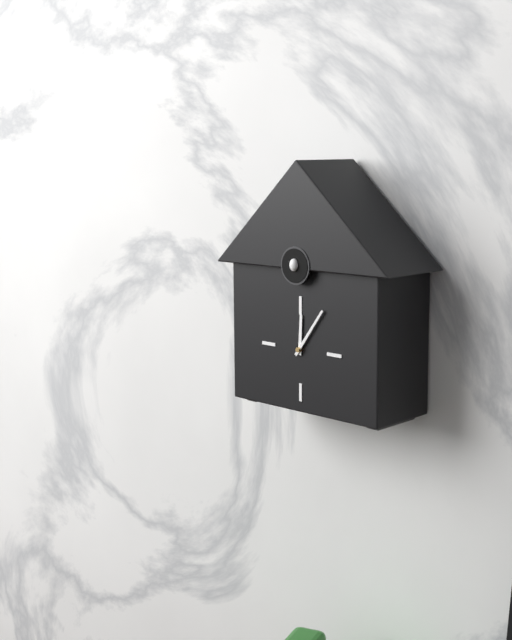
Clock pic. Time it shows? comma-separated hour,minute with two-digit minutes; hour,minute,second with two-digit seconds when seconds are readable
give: 12,06
